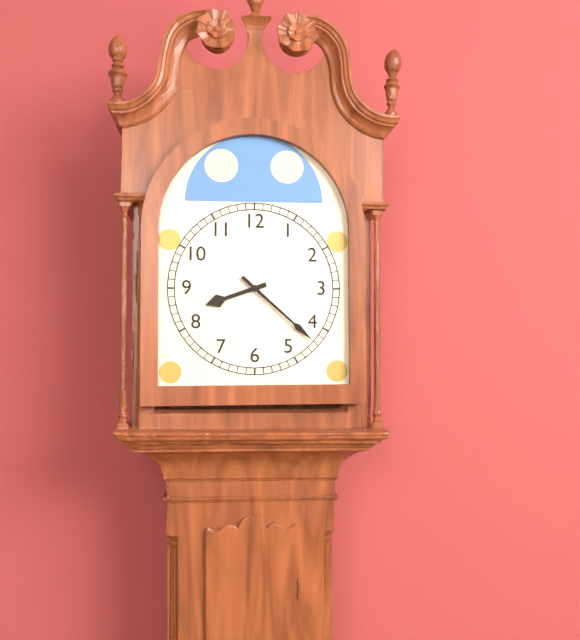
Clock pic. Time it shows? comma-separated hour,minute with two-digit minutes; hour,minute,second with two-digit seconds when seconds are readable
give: 8,22
